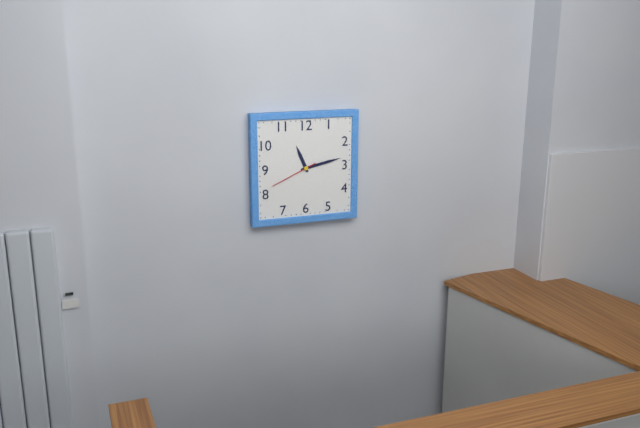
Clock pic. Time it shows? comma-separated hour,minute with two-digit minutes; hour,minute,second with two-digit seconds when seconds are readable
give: 11,13
